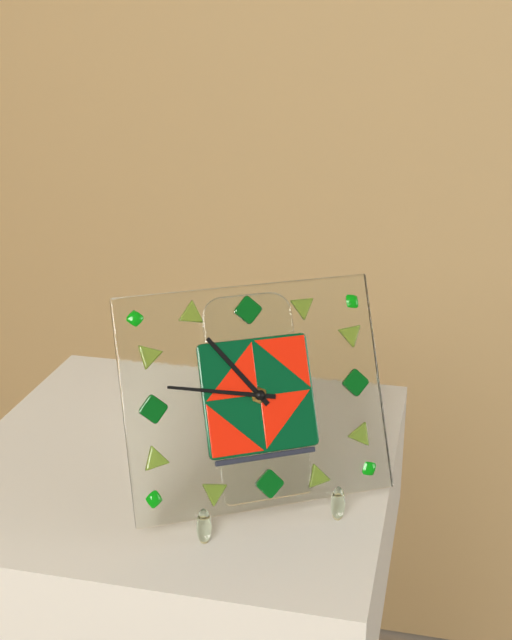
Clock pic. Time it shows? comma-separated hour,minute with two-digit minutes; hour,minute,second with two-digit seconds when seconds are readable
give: 10,47
